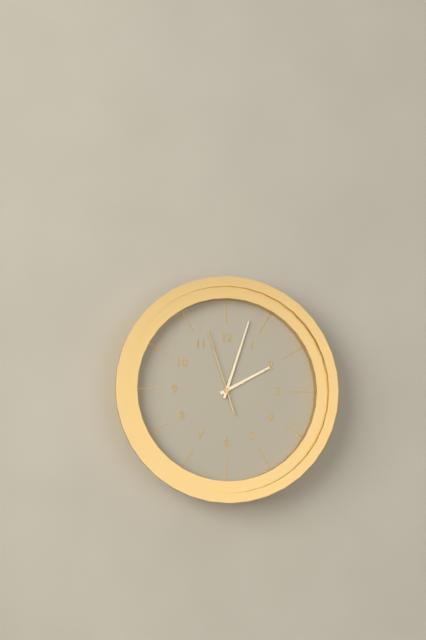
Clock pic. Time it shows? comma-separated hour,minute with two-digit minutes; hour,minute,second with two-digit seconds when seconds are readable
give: 2,03,57
